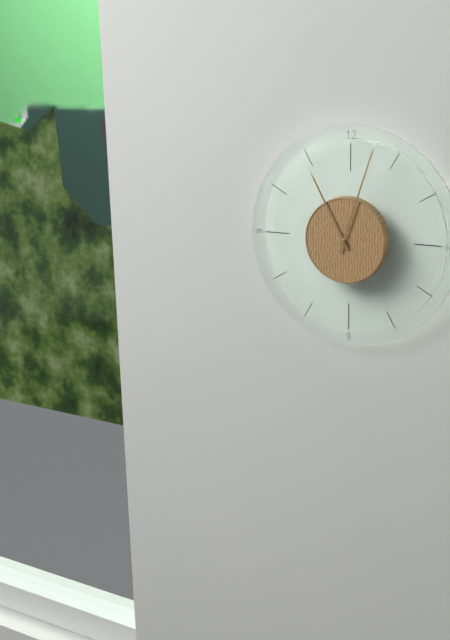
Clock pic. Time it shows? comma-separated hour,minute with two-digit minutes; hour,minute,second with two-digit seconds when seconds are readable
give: 11,03
